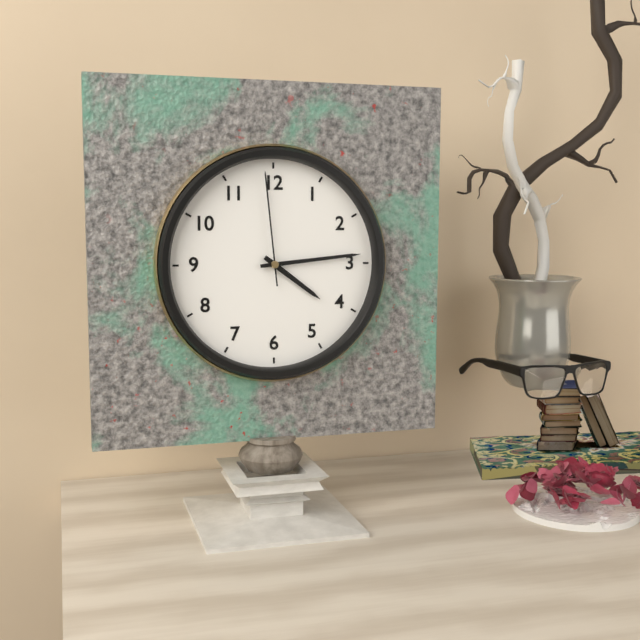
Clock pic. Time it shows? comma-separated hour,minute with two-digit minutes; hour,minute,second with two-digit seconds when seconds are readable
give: 4,14,59
